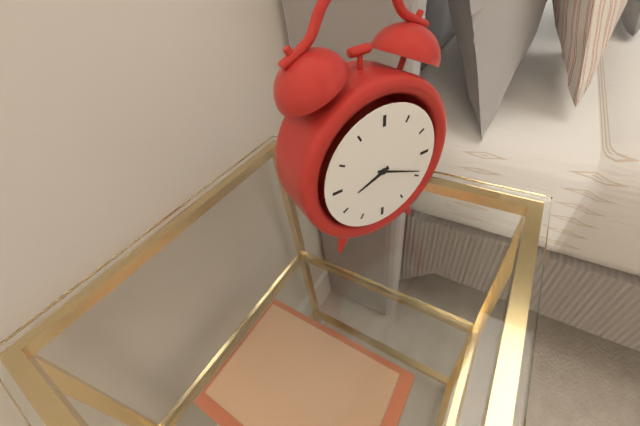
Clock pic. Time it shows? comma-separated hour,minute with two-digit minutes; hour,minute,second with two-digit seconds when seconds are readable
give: 8,19
